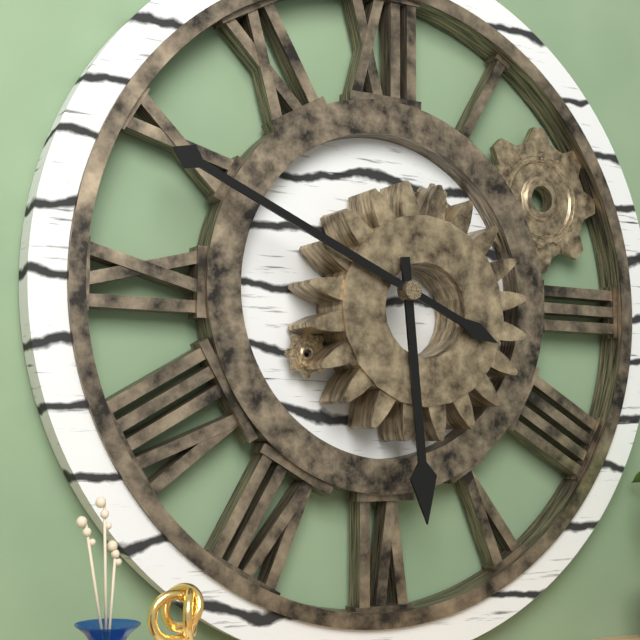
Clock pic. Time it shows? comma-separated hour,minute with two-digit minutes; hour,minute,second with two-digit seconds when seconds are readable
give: 5,49
